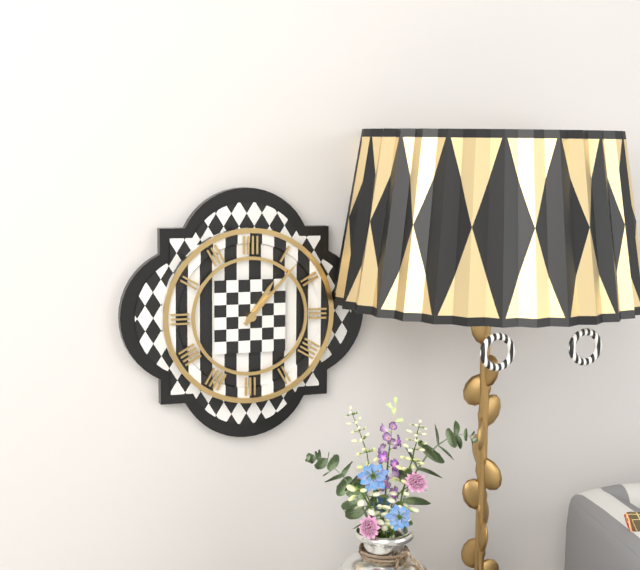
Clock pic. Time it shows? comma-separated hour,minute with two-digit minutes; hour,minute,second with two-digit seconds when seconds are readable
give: 1,07
